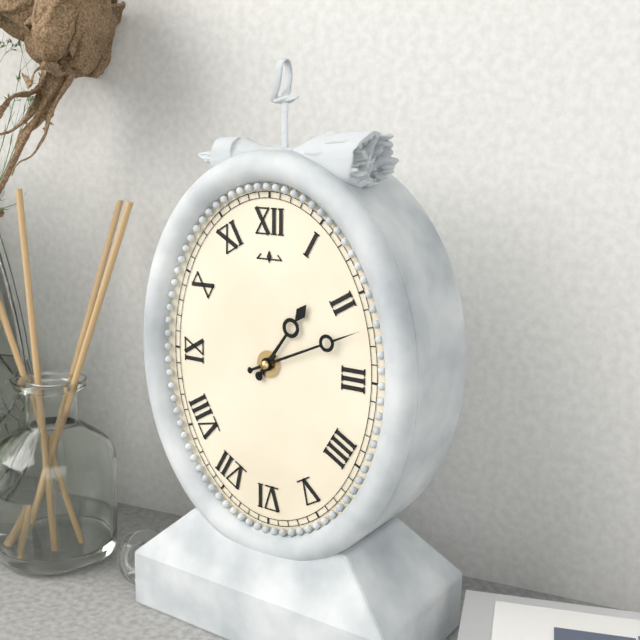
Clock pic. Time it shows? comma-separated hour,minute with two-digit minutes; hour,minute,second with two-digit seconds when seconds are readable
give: 1,11
